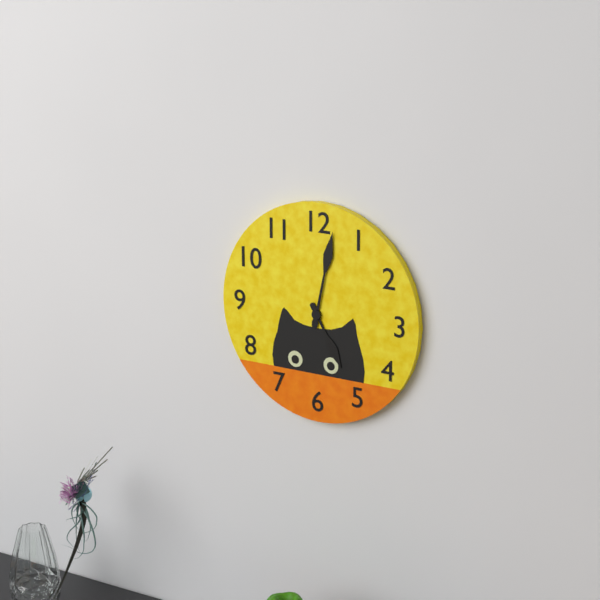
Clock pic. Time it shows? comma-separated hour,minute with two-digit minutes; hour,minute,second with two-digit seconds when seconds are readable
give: 5,02
